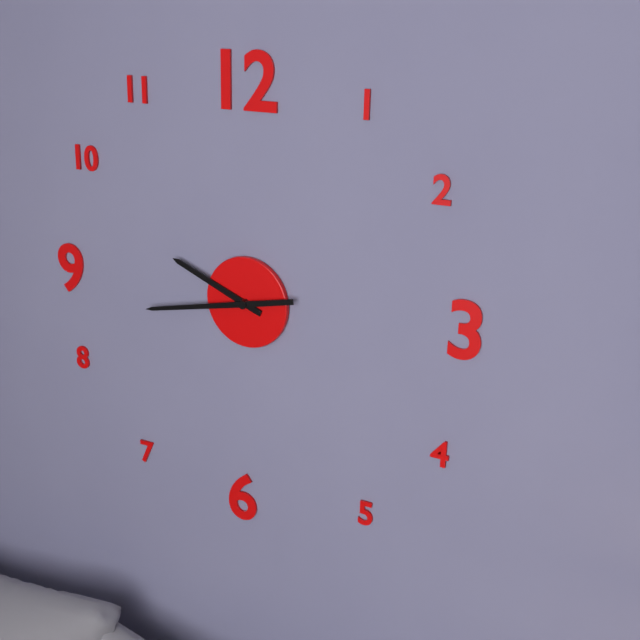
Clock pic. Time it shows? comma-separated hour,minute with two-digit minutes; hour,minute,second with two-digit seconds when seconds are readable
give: 9,43
